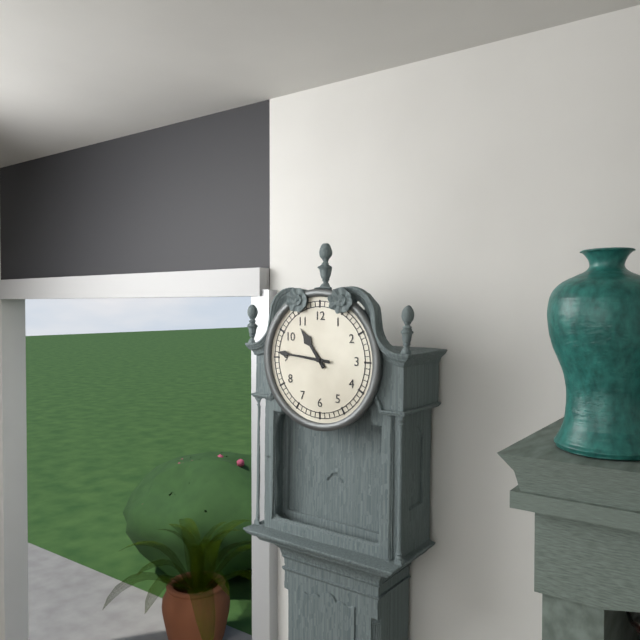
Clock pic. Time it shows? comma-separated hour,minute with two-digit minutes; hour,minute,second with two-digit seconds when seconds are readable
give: 10,46
